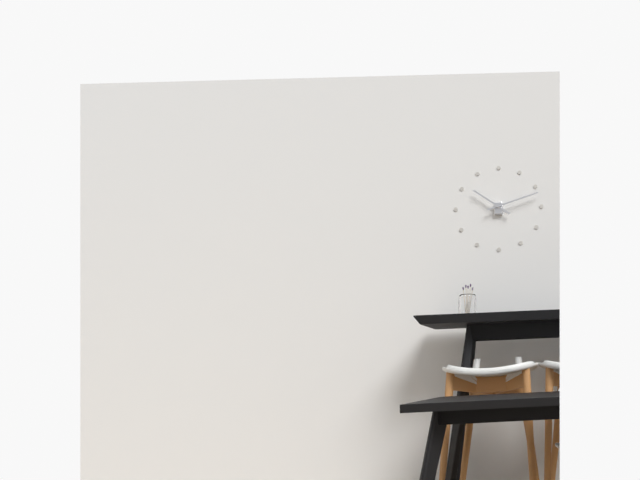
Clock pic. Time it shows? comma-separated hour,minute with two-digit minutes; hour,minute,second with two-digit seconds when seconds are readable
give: 10,12
